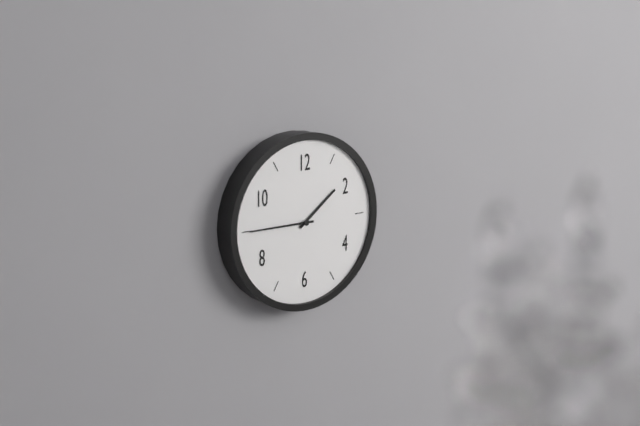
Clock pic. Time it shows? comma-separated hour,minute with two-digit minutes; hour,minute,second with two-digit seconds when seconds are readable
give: 1,45
